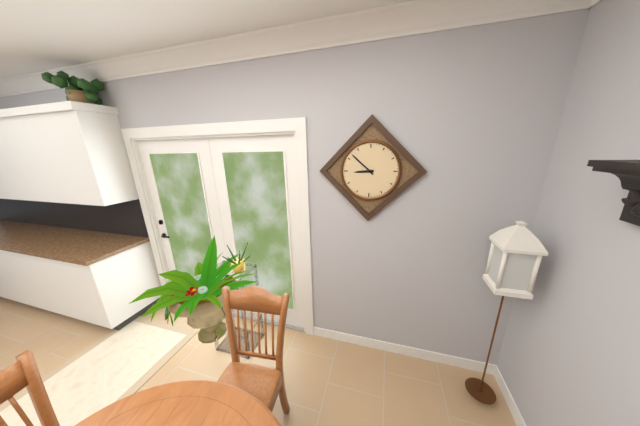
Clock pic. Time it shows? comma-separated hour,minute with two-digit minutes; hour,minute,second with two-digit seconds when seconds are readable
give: 8,52
